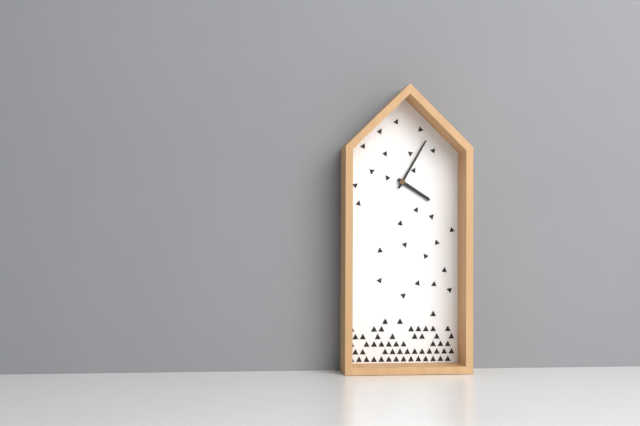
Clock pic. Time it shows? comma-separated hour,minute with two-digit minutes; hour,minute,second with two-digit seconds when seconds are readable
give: 4,05
